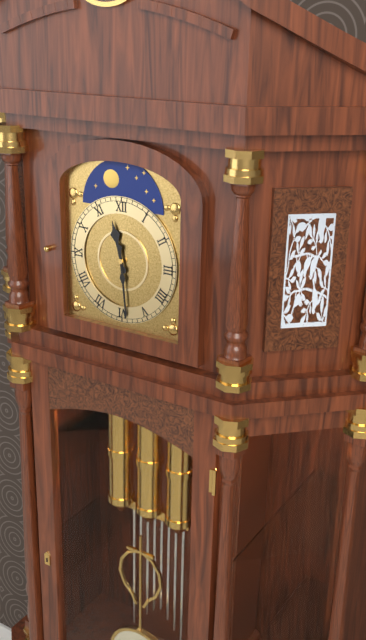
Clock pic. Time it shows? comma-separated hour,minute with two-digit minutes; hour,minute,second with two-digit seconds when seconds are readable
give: 11,29
